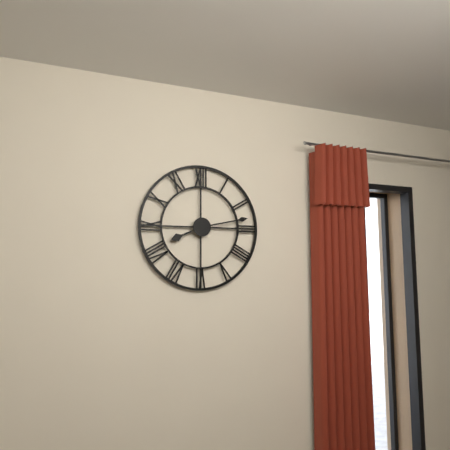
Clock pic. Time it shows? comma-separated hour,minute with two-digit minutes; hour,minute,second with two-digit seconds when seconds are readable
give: 8,13
